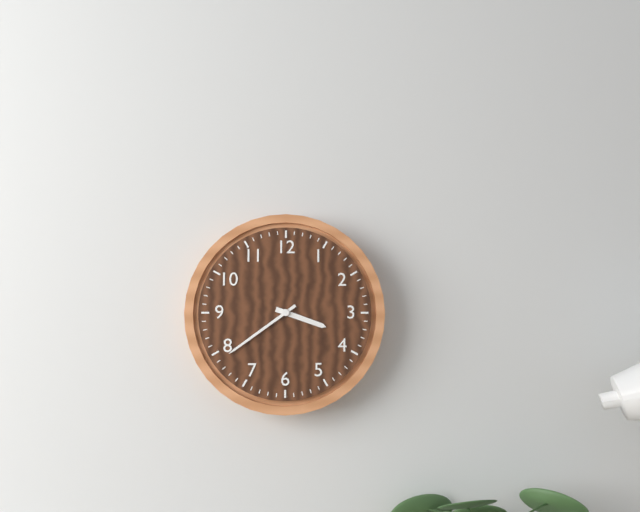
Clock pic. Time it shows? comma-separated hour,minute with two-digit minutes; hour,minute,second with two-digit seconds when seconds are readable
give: 3,39
